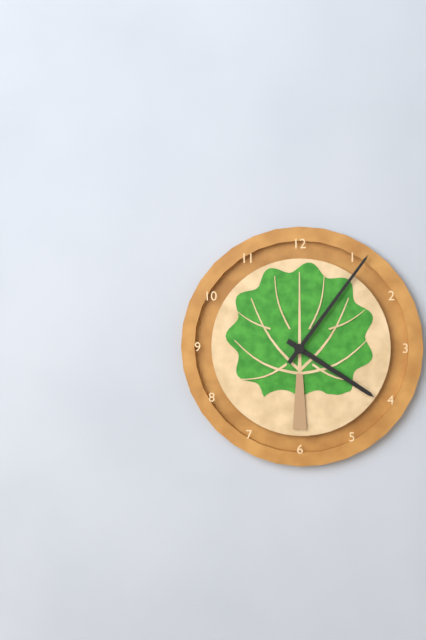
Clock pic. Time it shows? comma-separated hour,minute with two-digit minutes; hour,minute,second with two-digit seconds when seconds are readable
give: 4,06
